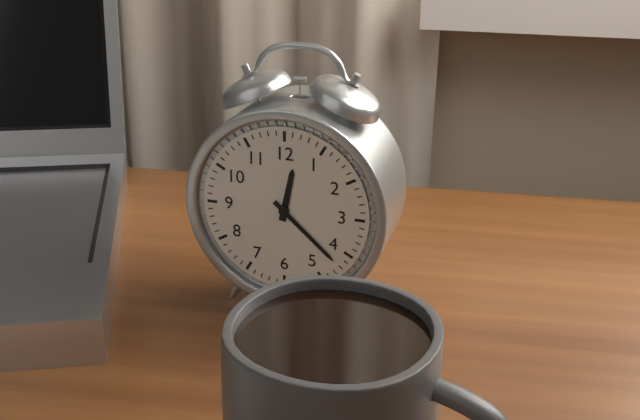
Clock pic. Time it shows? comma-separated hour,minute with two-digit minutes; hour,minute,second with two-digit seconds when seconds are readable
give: 12,22
